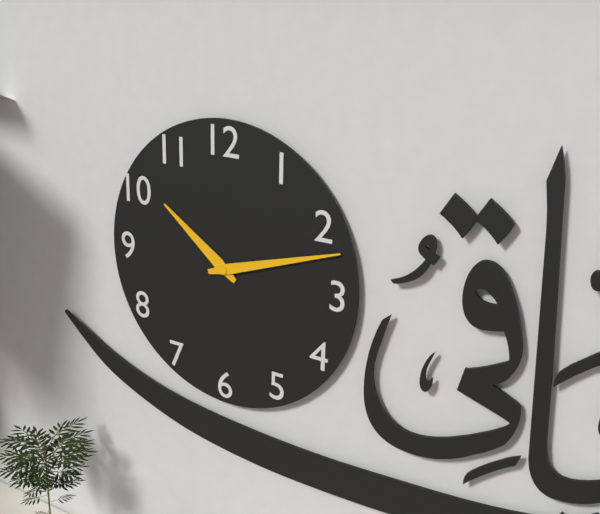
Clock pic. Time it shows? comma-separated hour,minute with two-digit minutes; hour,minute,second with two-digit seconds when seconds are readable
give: 10,12
